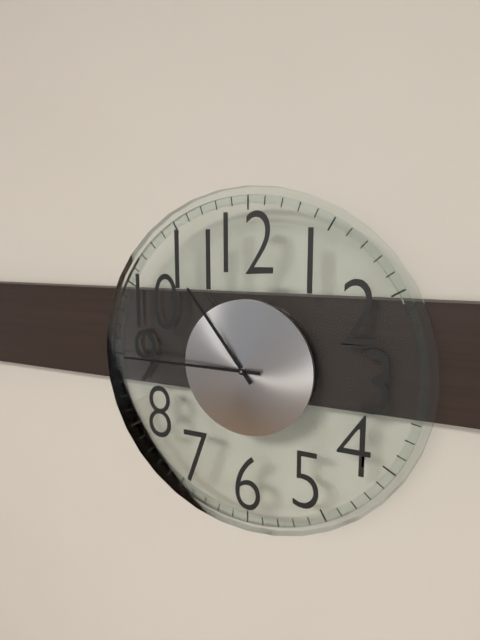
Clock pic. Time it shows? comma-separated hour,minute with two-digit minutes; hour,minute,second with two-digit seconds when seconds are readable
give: 10,45
